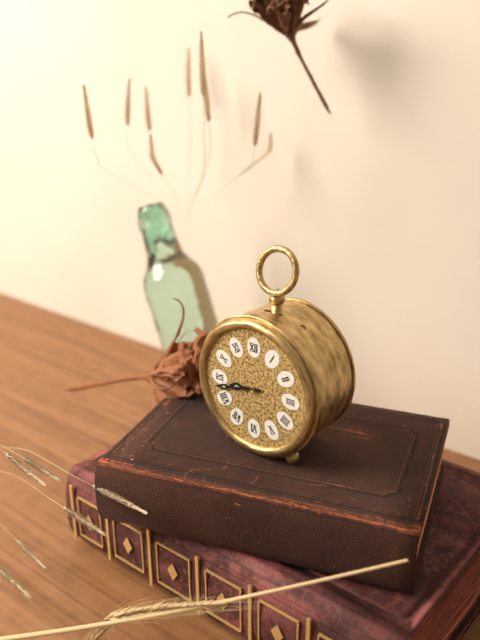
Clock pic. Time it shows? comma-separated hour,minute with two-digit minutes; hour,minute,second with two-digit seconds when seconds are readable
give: 8,43
